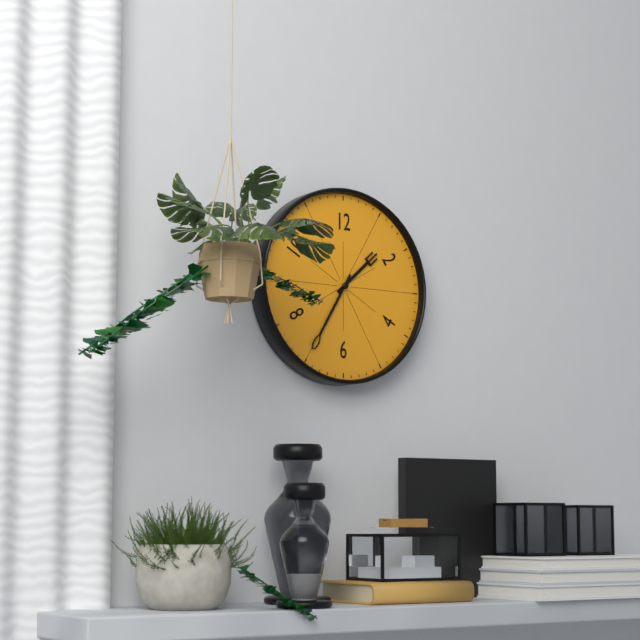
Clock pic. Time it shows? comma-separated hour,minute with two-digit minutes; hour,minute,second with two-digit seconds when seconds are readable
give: 1,35
